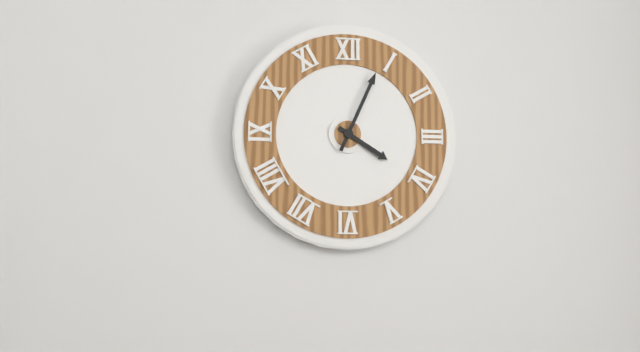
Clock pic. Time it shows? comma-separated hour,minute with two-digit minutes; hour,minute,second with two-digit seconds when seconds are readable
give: 4,04
